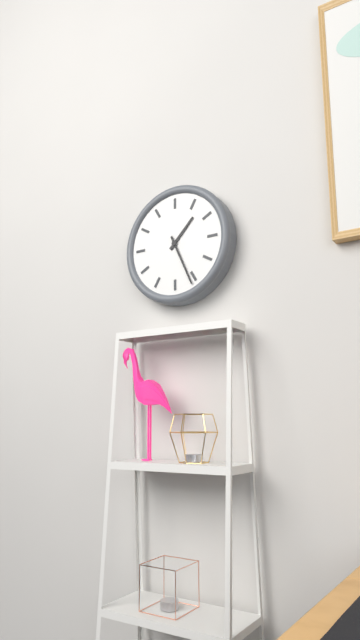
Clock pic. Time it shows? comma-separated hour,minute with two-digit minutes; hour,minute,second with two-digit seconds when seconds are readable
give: 1,26
